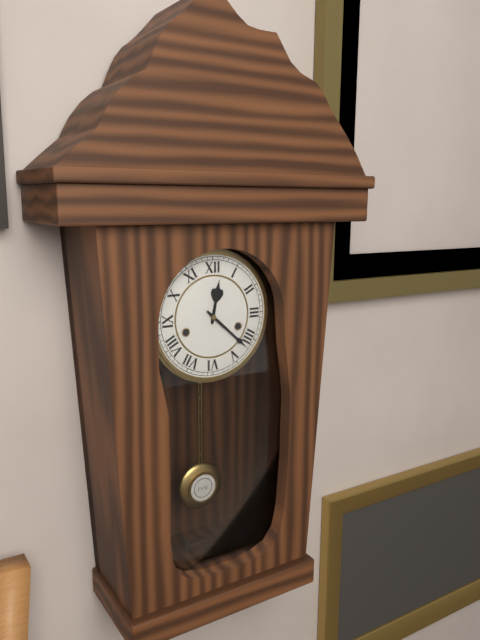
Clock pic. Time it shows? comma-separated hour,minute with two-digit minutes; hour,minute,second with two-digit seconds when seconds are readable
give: 12,22
